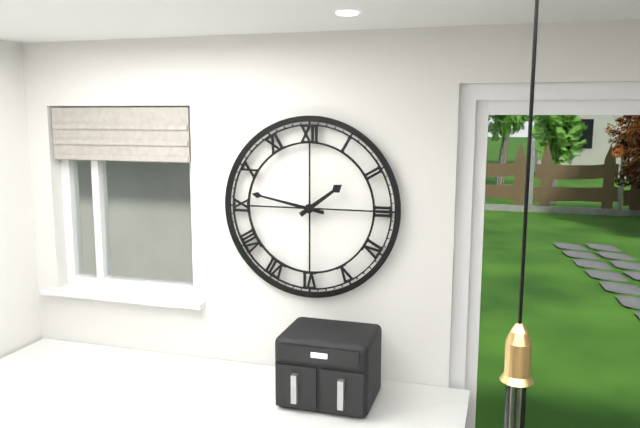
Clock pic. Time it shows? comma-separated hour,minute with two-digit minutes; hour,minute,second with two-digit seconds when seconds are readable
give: 1,47
